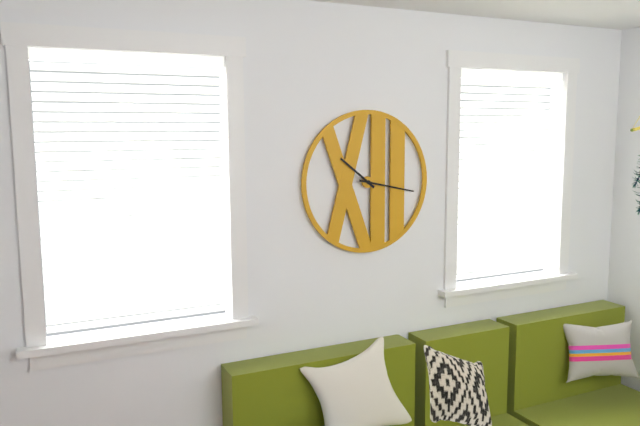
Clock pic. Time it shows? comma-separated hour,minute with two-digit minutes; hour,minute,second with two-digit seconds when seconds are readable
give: 10,17
